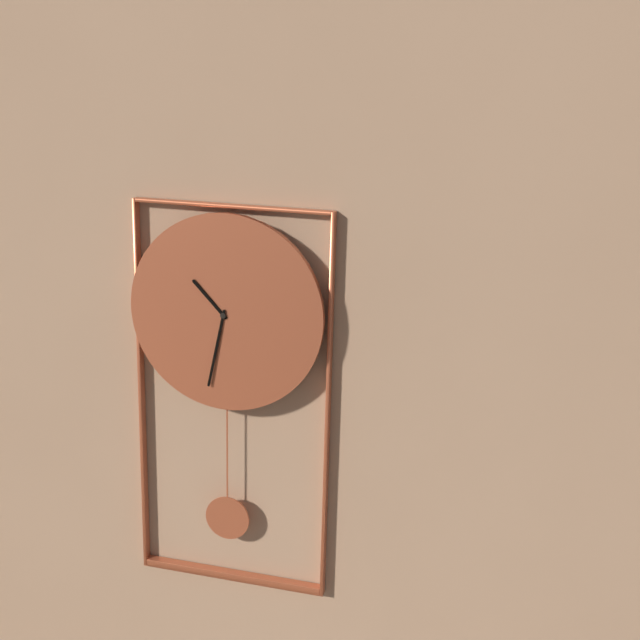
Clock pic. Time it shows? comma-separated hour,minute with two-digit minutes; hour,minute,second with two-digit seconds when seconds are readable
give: 10,32
